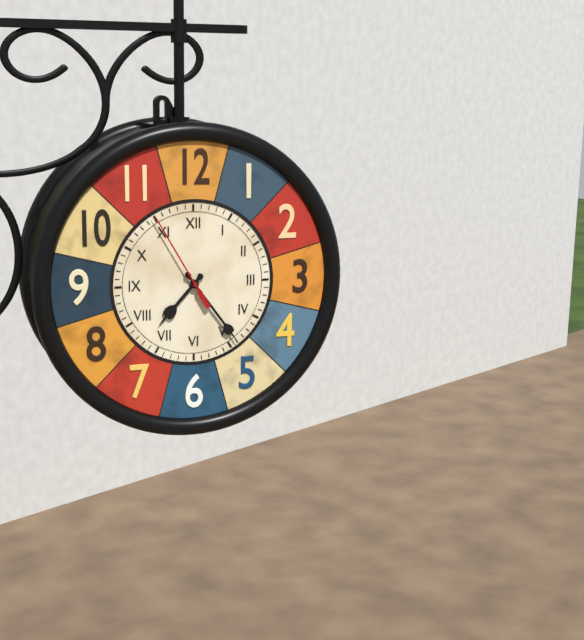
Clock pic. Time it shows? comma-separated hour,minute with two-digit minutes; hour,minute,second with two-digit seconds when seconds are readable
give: 7,24,55
